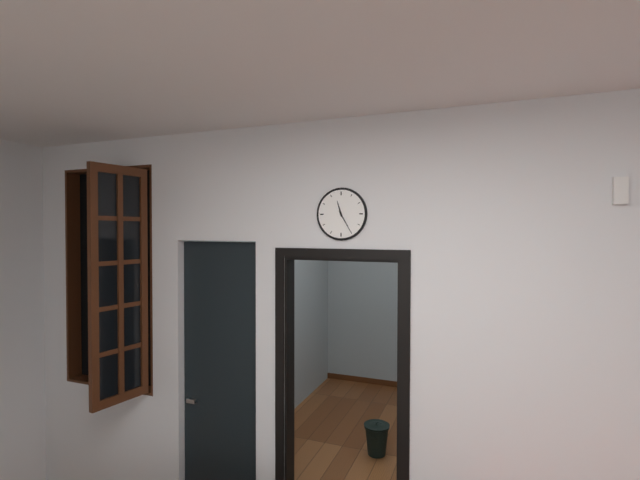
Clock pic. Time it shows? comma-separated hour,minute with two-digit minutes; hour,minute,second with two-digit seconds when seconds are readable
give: 11,25
